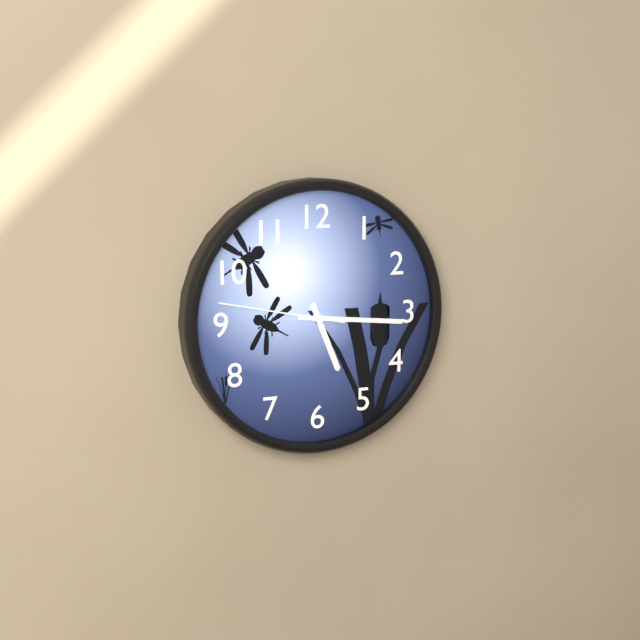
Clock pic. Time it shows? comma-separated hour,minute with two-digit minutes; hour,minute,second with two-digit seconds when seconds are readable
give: 5,16,47
